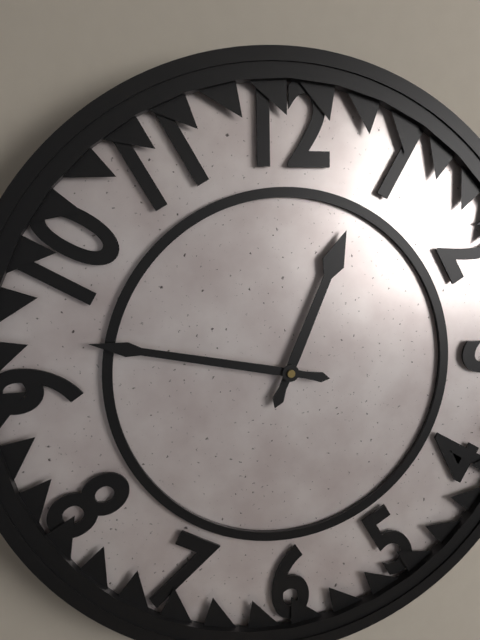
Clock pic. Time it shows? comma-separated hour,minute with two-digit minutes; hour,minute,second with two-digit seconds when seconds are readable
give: 12,47
